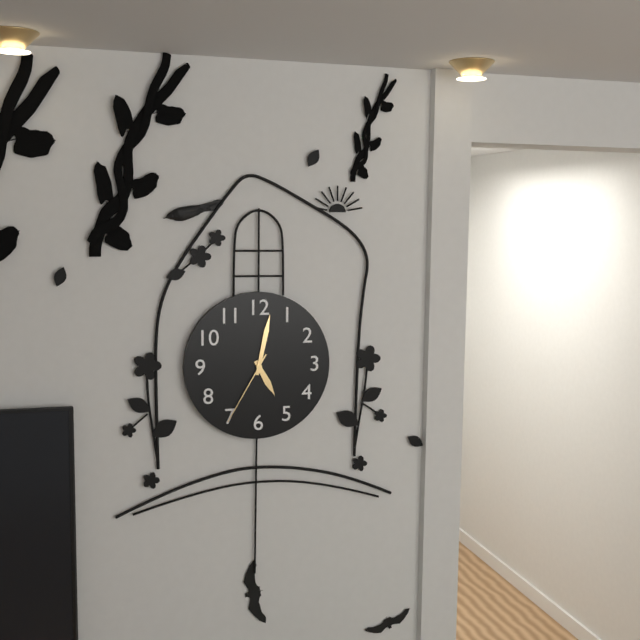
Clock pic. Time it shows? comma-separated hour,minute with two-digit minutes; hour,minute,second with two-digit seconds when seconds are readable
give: 5,02,35
